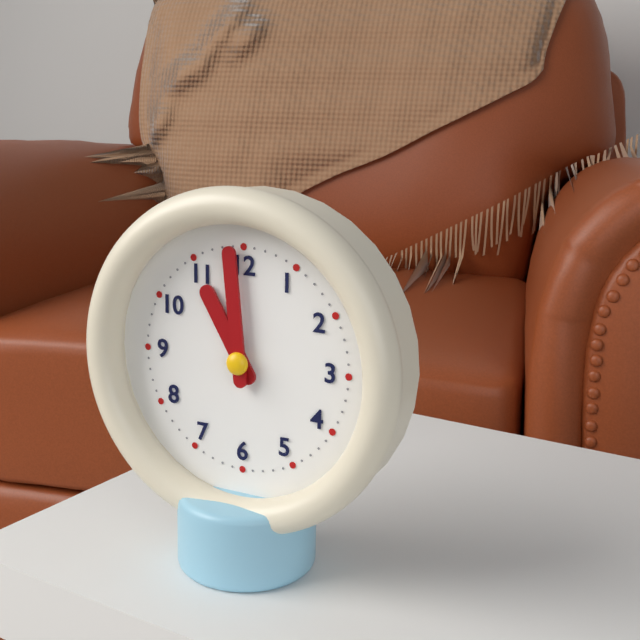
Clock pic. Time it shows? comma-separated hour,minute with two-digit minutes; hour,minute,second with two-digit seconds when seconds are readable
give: 10,59
